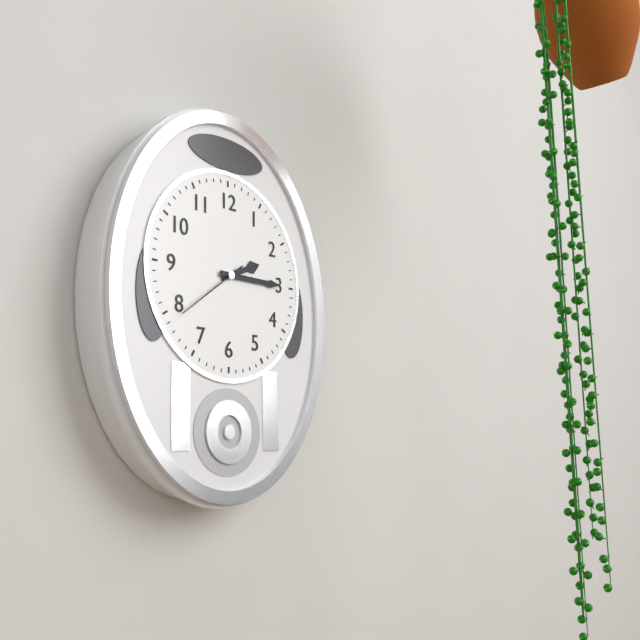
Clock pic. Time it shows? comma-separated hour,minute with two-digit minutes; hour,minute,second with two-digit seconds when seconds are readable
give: 2,15,39
